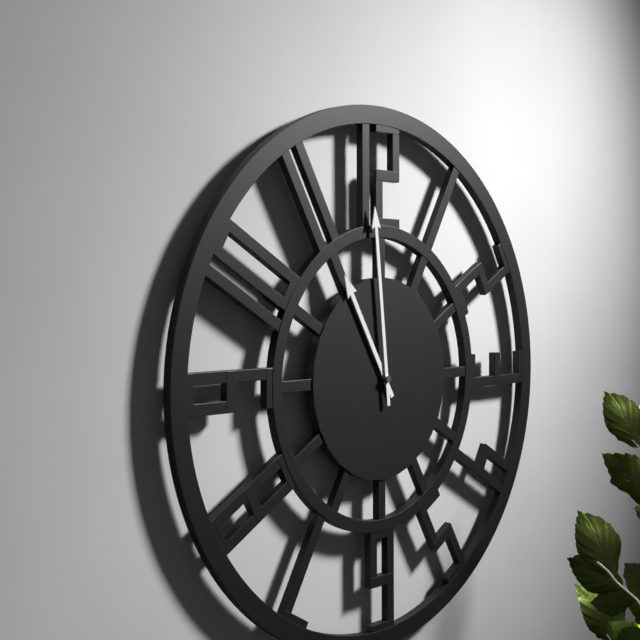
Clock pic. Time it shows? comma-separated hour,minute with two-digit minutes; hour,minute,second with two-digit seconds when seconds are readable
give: 10,59
